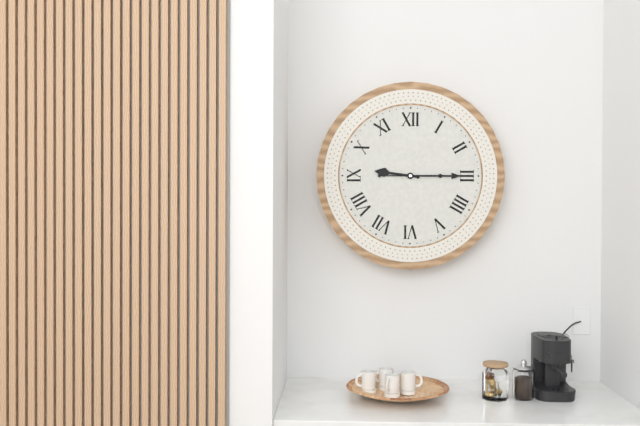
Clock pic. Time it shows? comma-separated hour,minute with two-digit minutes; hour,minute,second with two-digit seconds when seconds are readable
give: 9,15
